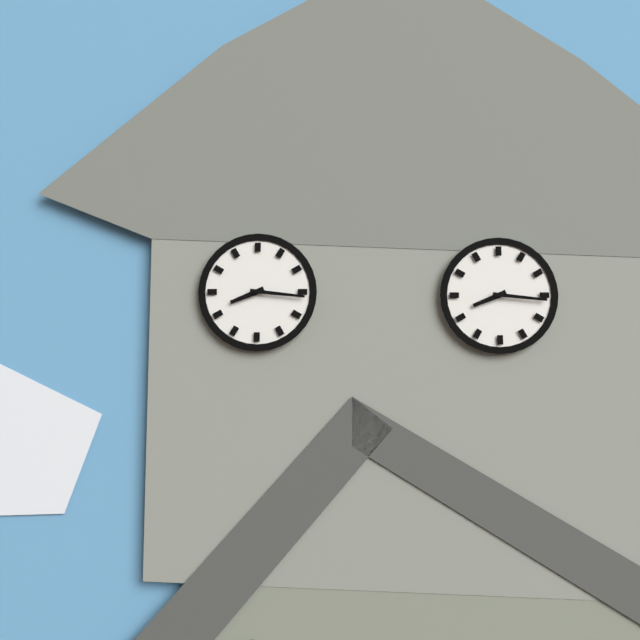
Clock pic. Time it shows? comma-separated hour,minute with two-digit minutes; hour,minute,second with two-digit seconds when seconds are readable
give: 8,16
